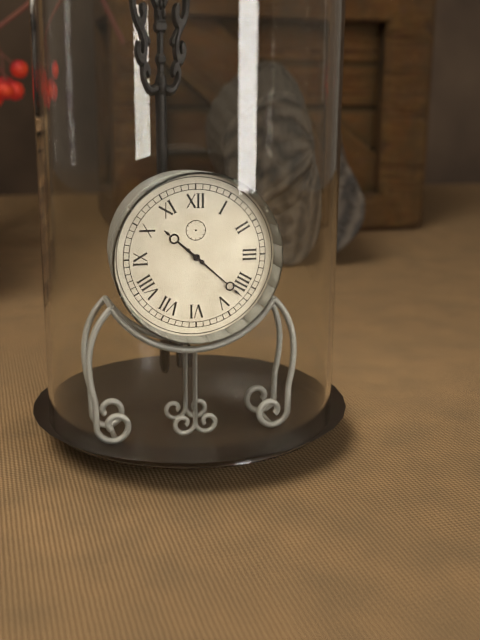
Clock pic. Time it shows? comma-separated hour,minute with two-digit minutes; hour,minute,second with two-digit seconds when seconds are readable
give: 10,22
